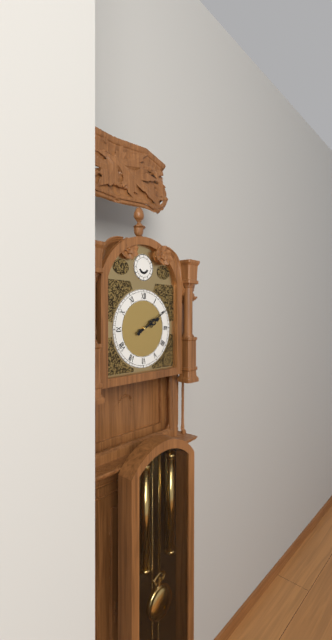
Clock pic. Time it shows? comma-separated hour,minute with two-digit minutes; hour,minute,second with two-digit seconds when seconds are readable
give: 2,10
